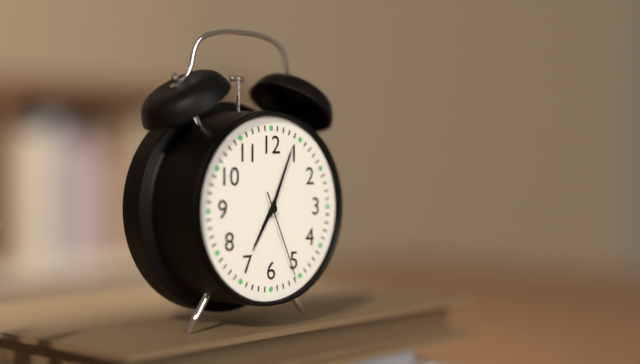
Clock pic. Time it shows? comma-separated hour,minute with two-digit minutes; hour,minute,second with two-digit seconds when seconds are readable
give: 7,04,26
